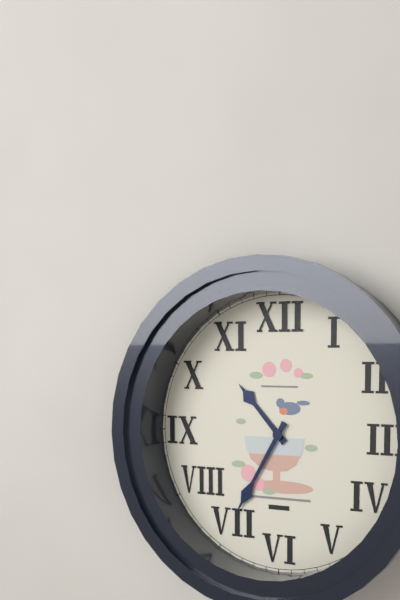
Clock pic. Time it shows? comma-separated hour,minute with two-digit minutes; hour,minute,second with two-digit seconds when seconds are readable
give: 10,35
